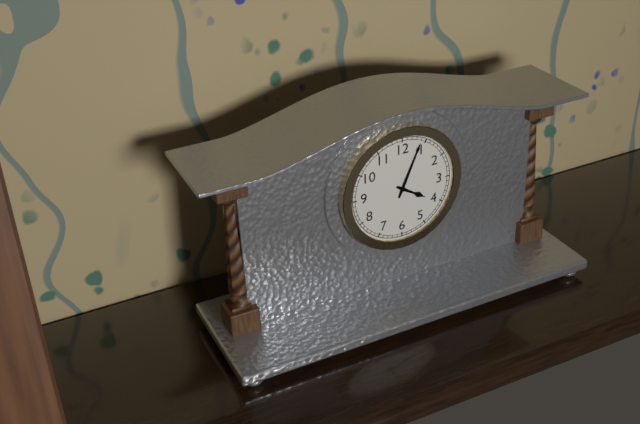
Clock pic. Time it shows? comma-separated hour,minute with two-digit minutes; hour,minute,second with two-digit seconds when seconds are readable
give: 4,04
